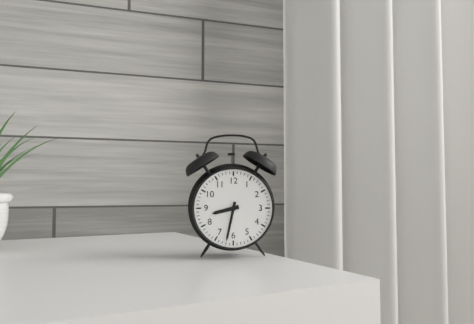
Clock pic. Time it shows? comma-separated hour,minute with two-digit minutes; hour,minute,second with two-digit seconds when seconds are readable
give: 8,32
